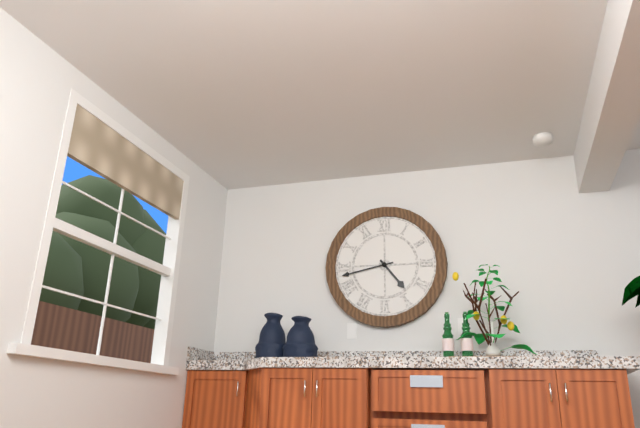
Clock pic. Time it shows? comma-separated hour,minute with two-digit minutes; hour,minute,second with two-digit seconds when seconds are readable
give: 4,43
